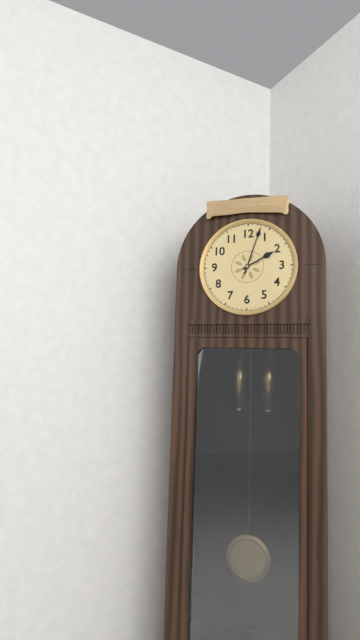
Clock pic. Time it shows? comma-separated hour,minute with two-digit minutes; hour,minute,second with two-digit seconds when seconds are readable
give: 2,03
